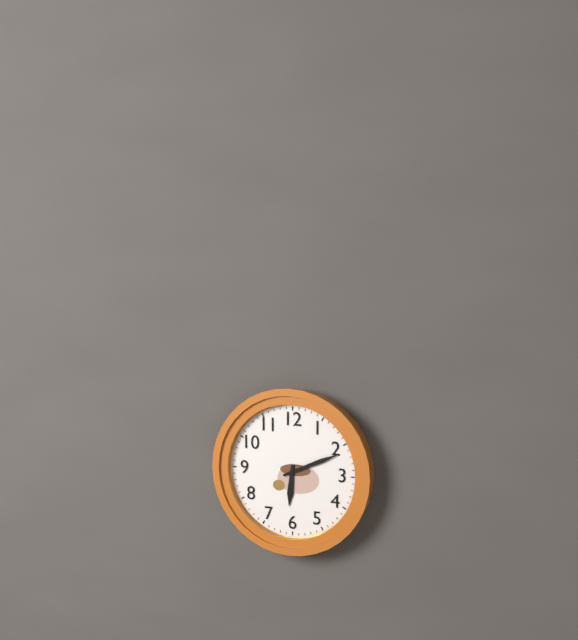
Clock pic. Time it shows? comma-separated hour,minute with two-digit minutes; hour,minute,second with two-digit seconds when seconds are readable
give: 6,11
